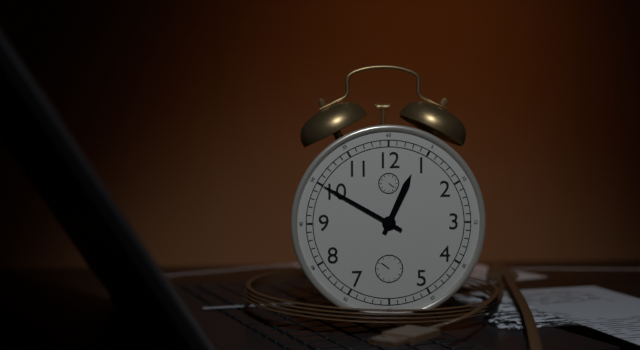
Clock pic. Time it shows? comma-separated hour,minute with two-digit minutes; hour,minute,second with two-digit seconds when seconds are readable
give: 12,50
